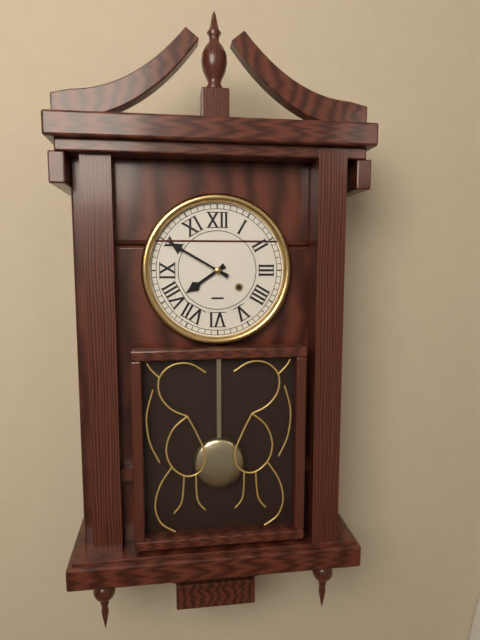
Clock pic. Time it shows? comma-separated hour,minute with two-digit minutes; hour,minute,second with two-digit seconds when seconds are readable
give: 7,50
